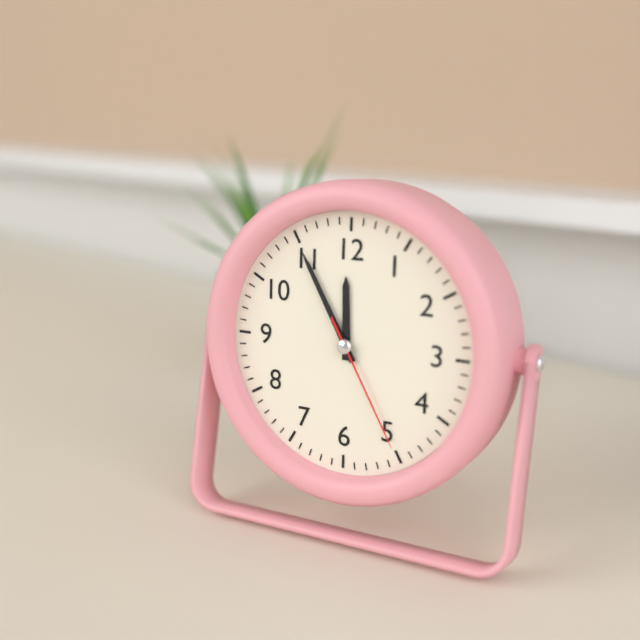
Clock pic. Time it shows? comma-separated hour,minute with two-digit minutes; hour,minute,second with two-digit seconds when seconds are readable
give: 11,55,25
